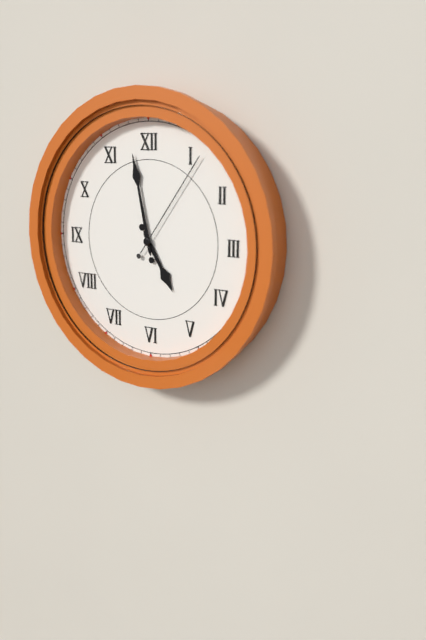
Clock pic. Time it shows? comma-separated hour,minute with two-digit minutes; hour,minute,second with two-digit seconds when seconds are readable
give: 4,58,06
